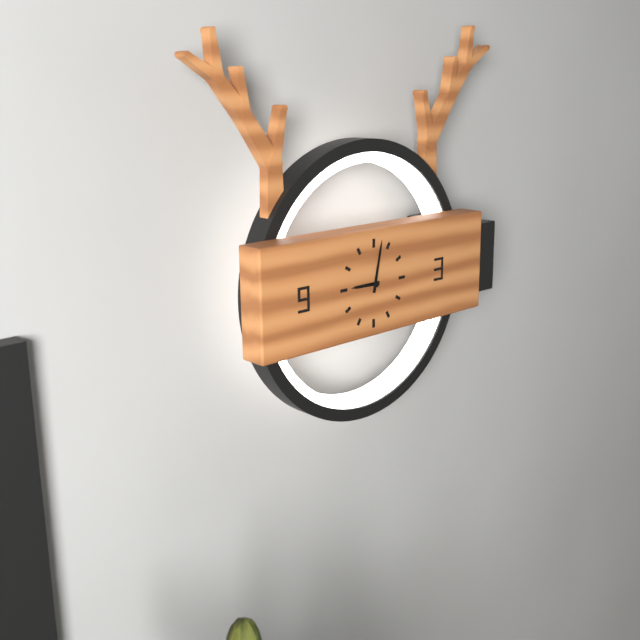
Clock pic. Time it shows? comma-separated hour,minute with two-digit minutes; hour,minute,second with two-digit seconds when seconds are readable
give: 9,02
